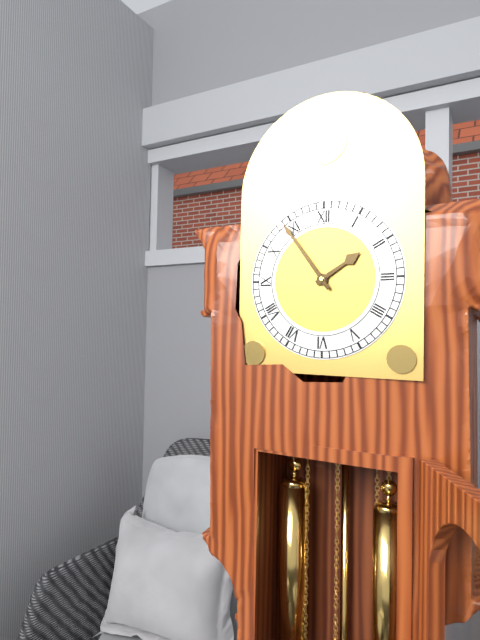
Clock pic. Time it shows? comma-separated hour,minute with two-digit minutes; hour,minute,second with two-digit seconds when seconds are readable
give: 1,54
